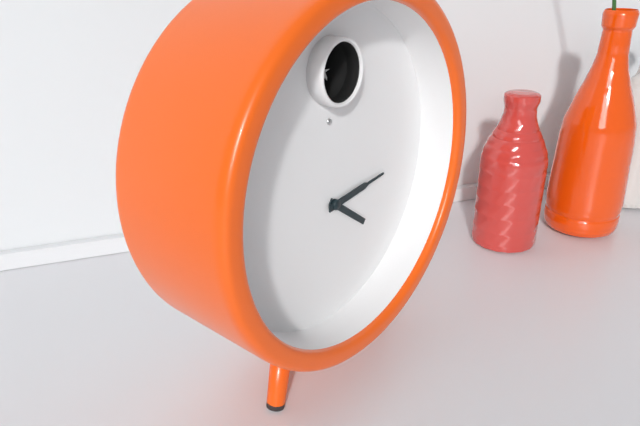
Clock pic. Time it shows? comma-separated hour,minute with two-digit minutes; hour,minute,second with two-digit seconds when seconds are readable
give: 4,14
